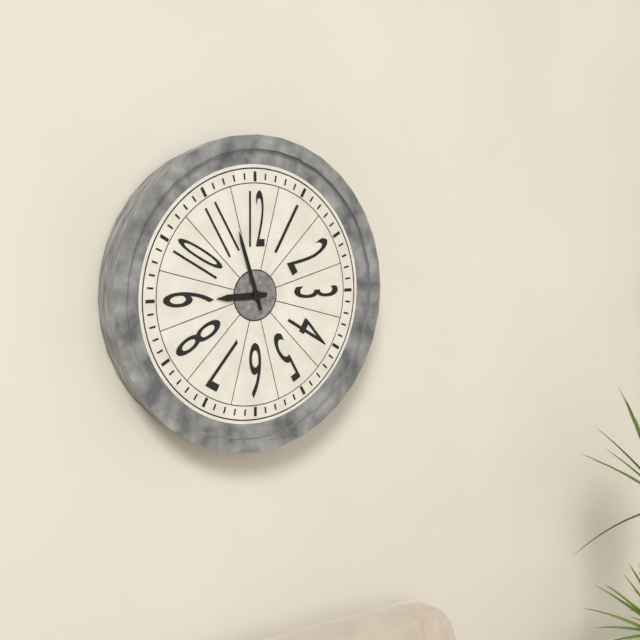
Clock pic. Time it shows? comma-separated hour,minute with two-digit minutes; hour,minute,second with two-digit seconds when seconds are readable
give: 8,57
